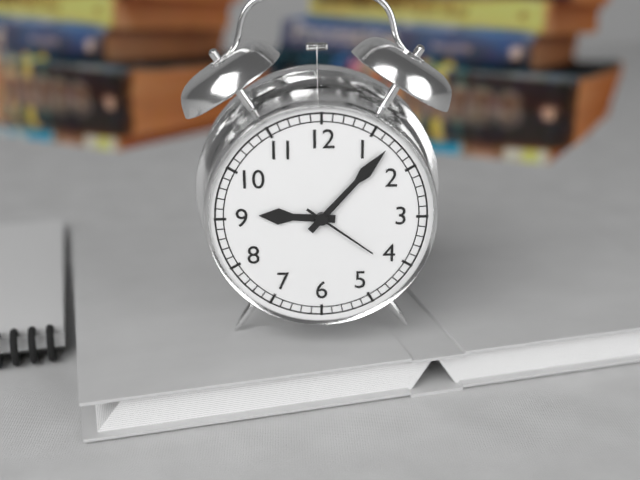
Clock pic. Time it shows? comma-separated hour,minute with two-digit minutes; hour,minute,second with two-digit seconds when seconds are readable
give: 9,07,21
